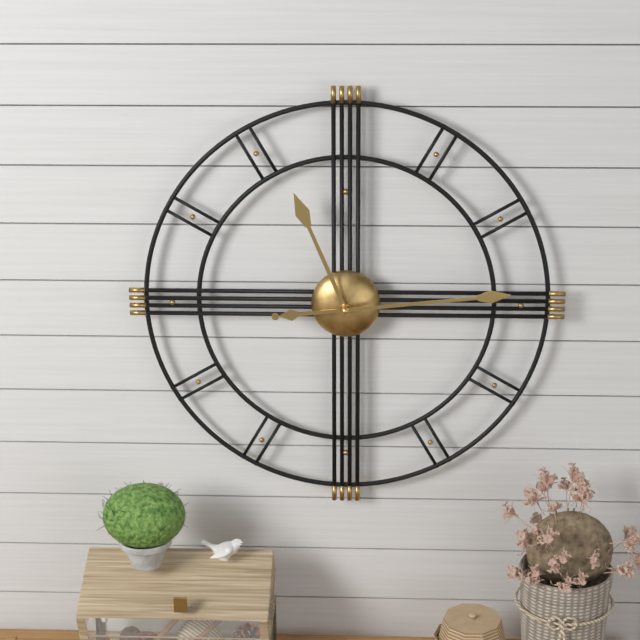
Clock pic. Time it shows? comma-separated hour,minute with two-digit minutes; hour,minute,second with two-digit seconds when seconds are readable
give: 11,14
